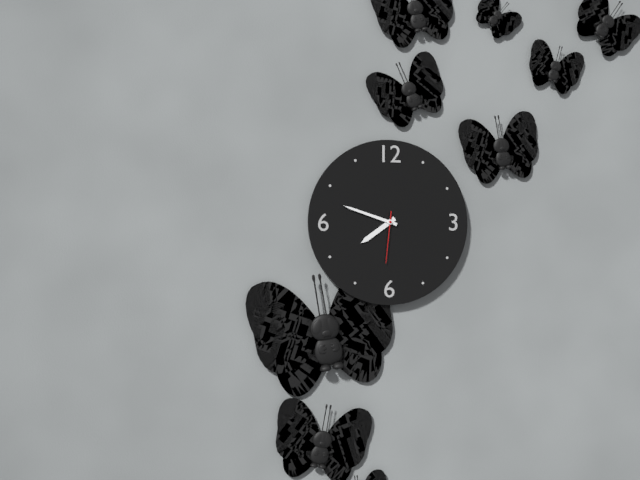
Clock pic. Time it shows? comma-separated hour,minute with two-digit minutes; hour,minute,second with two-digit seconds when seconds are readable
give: 7,48,31
